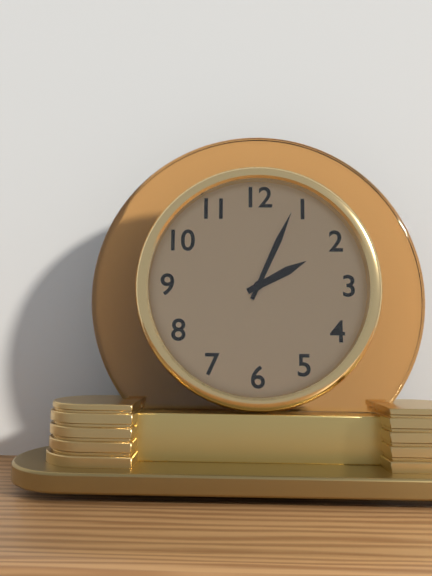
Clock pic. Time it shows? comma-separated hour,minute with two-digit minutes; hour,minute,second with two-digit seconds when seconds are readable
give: 2,04
